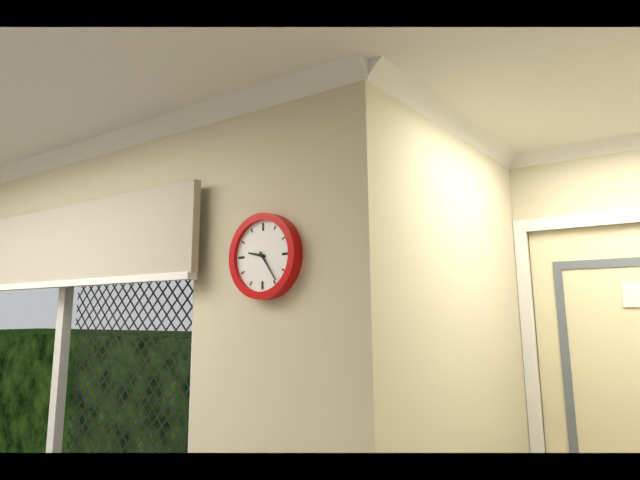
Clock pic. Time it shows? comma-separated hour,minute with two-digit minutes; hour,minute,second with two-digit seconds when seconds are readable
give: 9,24
